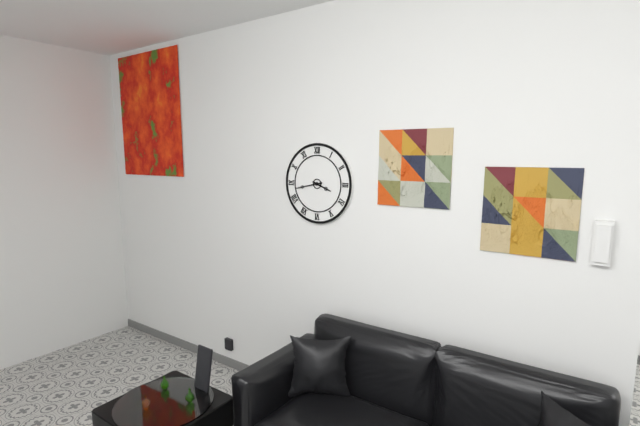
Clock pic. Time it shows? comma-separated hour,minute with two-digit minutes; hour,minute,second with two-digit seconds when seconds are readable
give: 3,43
